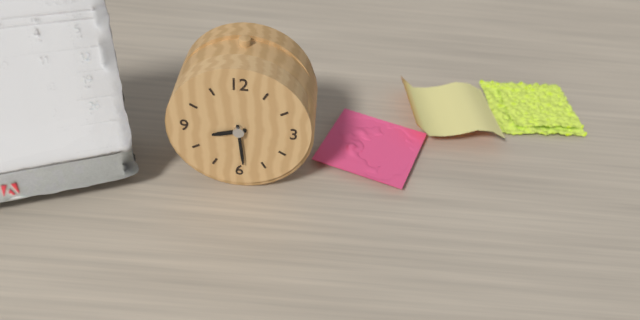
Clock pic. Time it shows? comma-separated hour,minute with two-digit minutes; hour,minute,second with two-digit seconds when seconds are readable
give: 8,29
